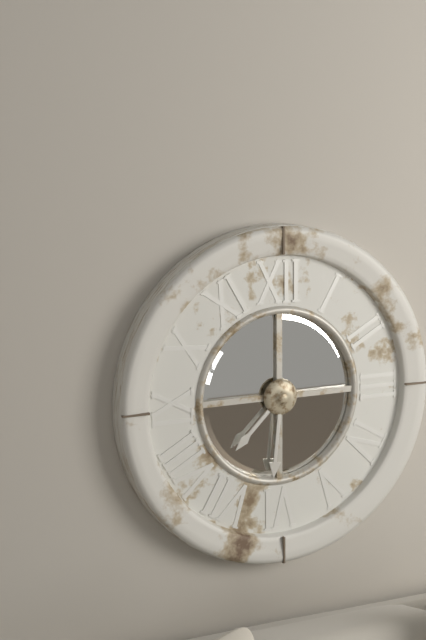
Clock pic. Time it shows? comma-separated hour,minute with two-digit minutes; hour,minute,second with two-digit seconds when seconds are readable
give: 7,31
